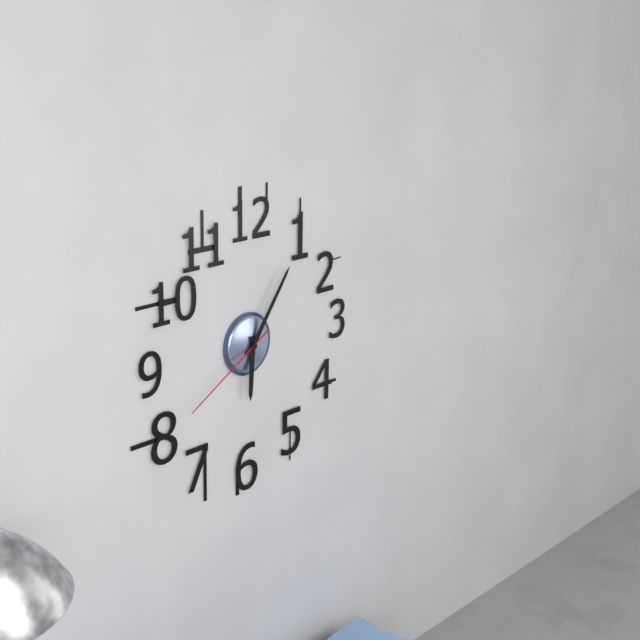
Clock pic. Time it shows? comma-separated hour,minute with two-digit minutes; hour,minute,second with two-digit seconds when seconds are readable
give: 6,06,40
